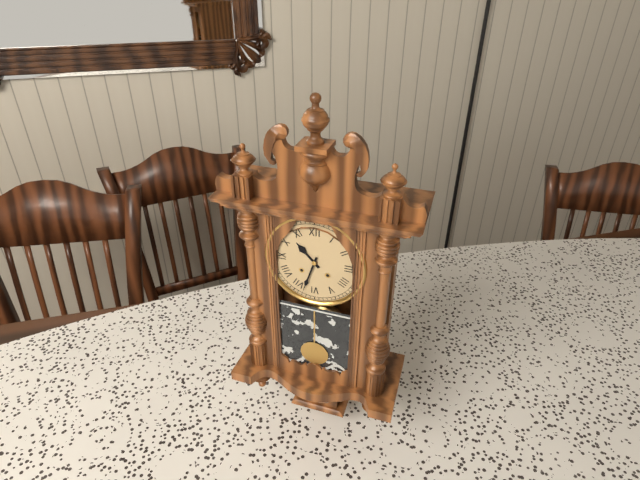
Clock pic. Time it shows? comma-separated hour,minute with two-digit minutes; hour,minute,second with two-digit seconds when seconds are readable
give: 10,33
